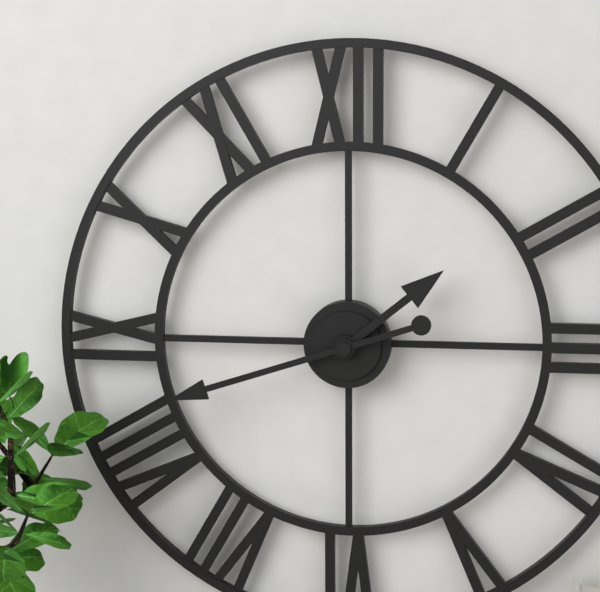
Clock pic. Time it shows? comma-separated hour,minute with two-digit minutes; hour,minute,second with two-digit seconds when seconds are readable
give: 1,42
